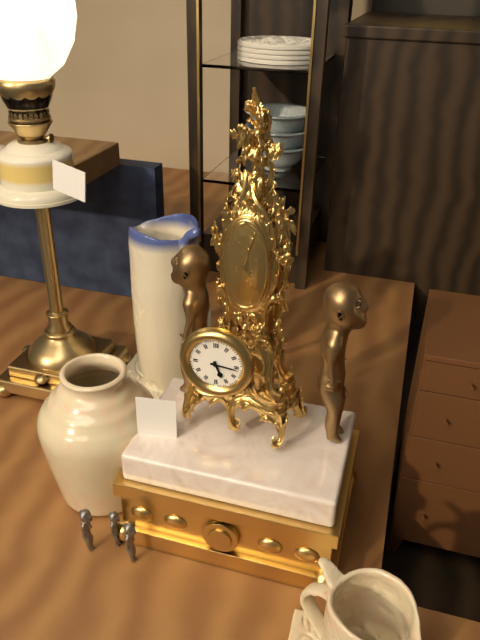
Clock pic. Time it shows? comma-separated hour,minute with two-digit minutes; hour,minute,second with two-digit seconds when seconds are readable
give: 5,16
